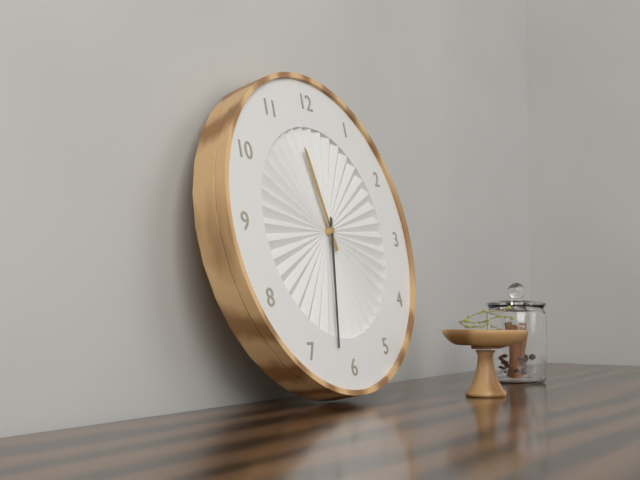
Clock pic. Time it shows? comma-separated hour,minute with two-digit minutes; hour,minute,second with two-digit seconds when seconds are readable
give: 11,32
